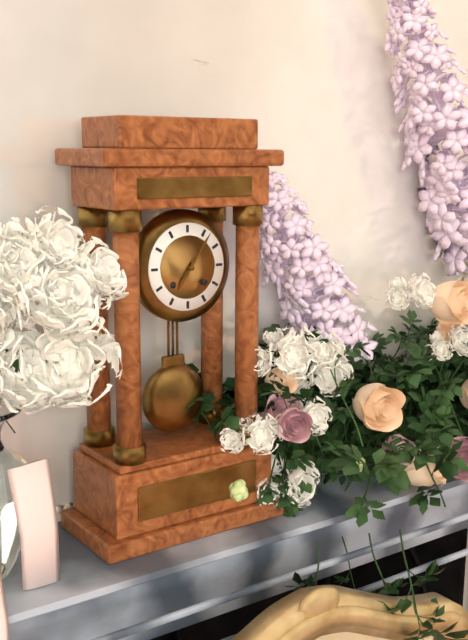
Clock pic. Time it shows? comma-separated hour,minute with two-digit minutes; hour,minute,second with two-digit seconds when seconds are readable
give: 7,06
